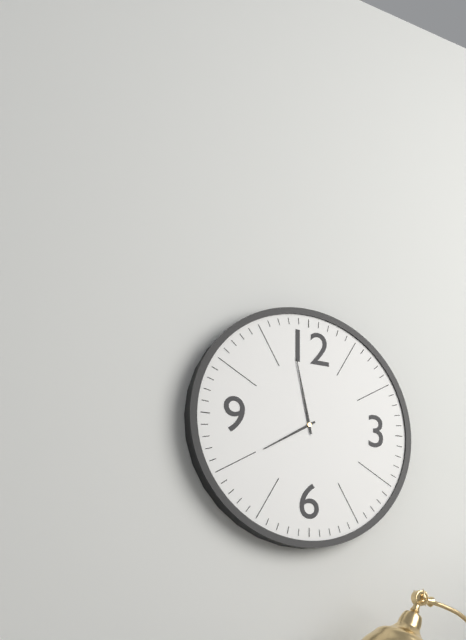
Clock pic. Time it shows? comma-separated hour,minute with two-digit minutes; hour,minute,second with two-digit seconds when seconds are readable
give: 7,58
